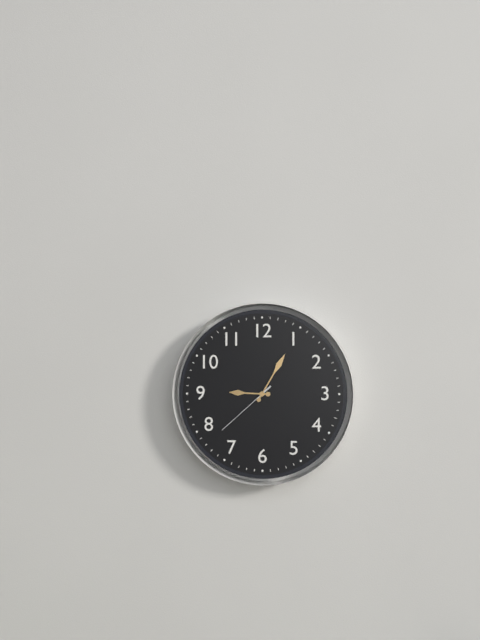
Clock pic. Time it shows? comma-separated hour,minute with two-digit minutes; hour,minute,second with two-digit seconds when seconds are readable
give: 9,05,38
